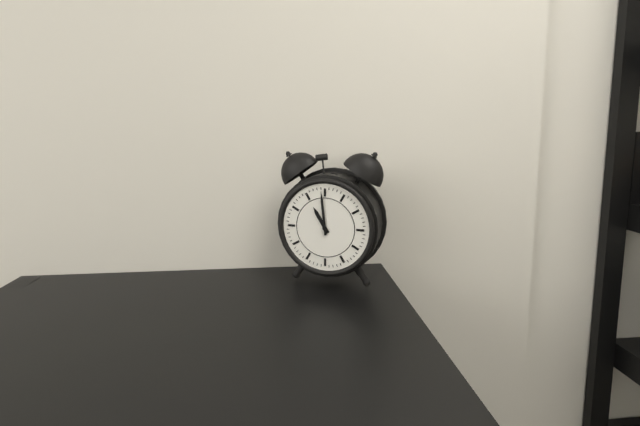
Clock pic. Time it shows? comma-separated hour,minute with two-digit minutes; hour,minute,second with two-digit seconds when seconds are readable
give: 10,59
